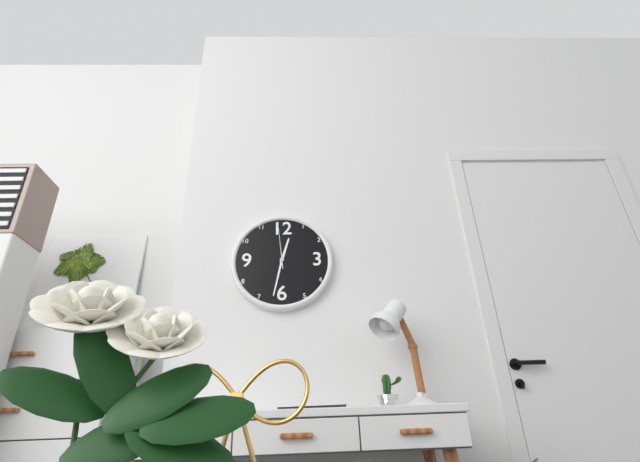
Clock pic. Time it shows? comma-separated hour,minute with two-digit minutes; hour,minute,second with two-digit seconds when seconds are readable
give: 12,32
